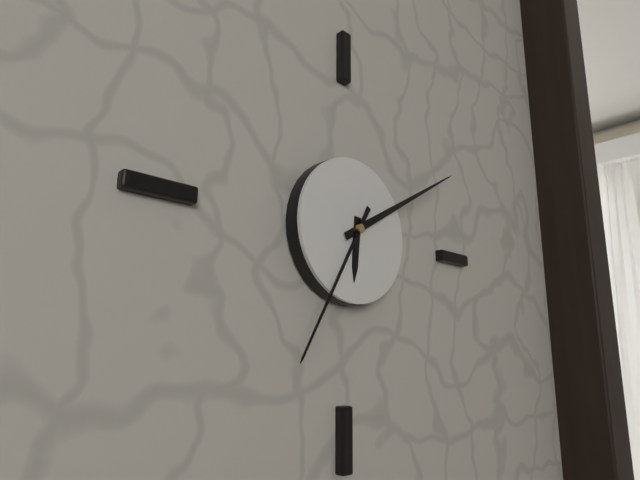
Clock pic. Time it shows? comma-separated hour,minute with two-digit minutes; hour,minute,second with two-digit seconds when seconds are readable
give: 6,10,35
